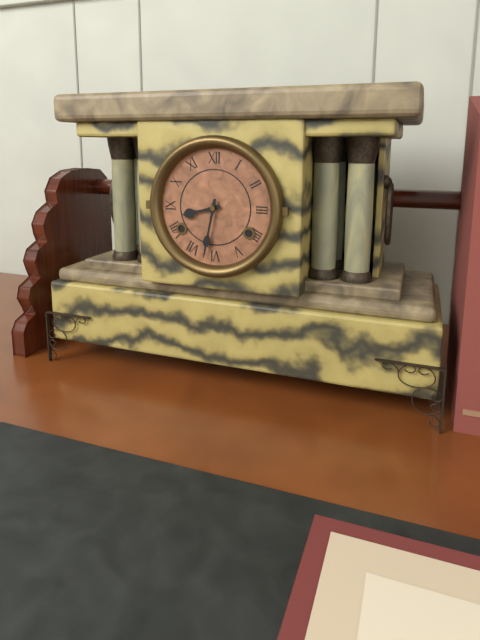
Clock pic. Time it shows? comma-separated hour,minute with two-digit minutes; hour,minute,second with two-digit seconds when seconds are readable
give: 8,32
